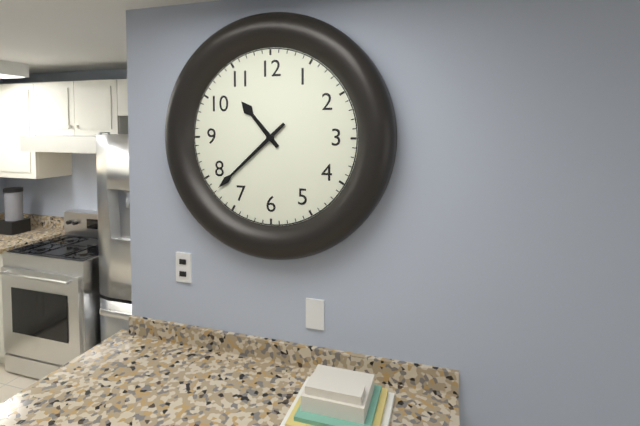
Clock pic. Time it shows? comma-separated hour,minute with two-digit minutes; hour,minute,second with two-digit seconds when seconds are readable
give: 10,38
